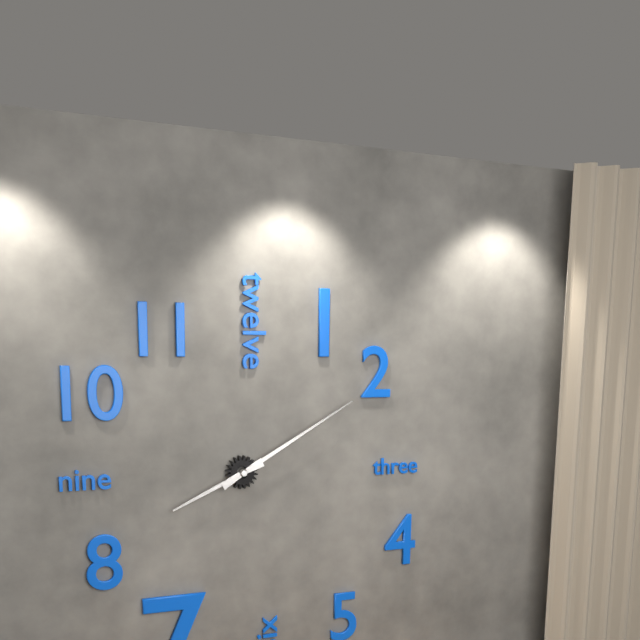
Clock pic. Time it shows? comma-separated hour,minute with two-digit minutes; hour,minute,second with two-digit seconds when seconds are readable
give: 8,10
